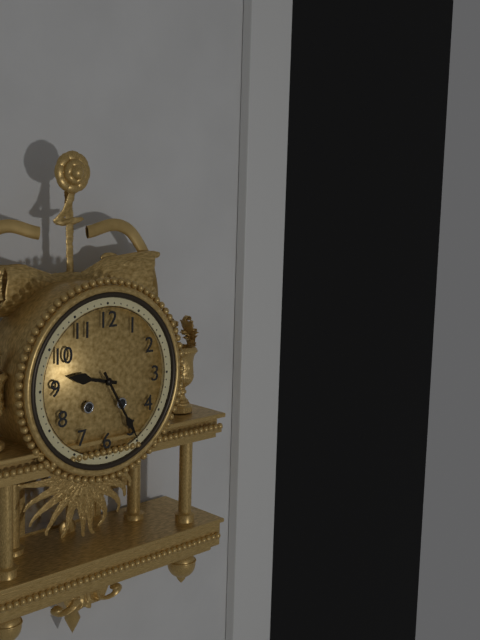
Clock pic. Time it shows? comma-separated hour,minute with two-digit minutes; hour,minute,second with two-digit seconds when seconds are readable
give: 9,25
